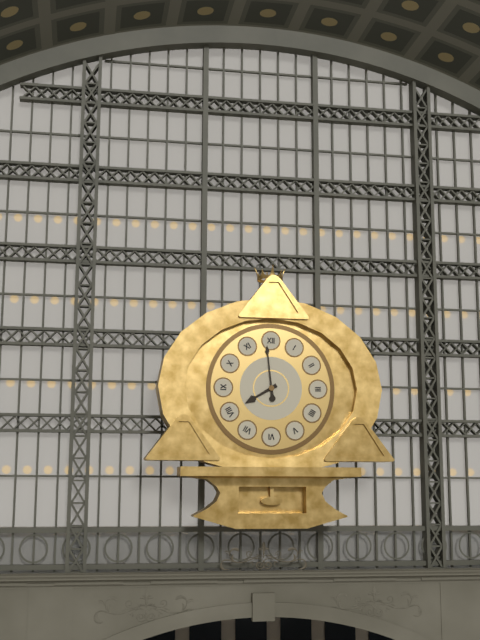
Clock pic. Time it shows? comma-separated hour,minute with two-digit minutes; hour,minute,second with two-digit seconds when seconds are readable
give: 7,59
